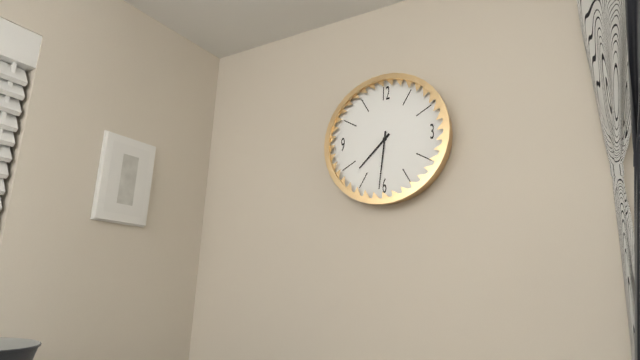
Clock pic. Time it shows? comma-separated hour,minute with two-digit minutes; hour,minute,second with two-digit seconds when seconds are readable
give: 7,31
